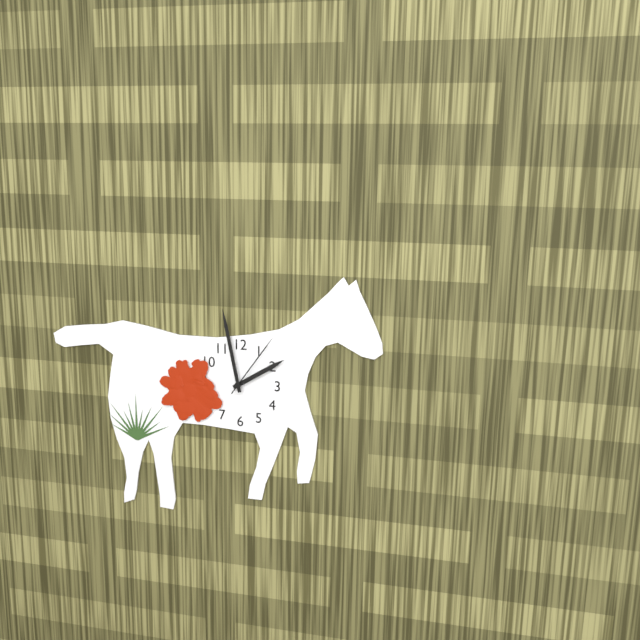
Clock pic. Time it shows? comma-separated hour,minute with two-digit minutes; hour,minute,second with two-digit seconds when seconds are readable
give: 1,58,06
